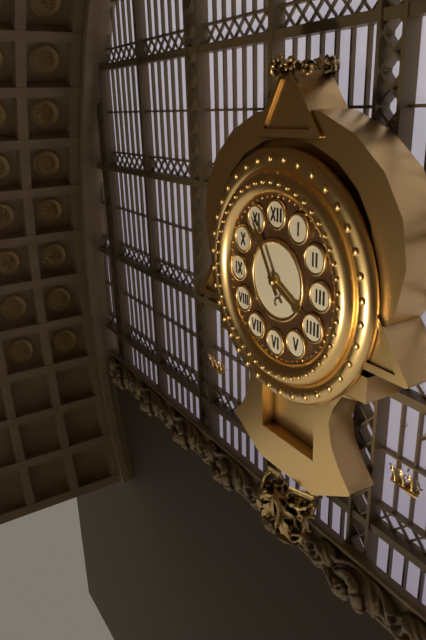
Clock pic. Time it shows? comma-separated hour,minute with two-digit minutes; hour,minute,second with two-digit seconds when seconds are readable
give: 3,55
